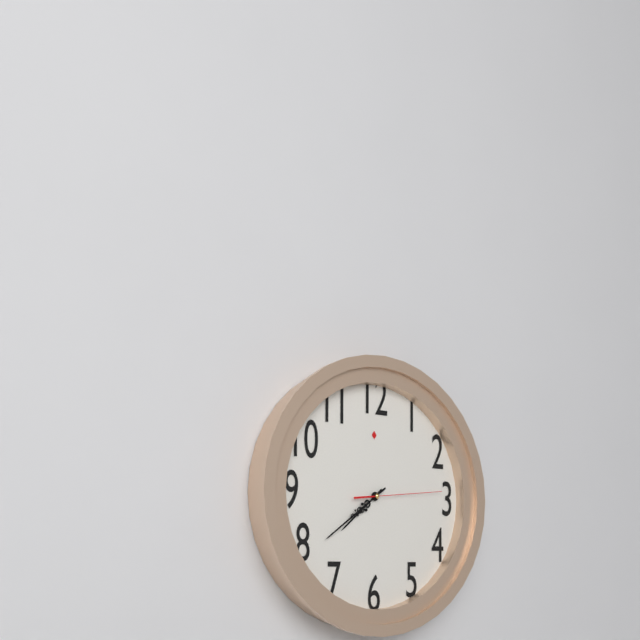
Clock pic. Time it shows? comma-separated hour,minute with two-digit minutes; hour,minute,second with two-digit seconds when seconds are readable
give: 7,39,14
